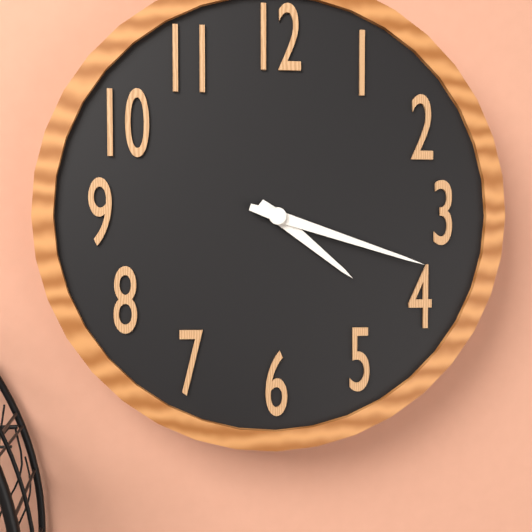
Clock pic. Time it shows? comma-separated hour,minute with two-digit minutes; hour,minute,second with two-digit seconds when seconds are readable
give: 4,18
